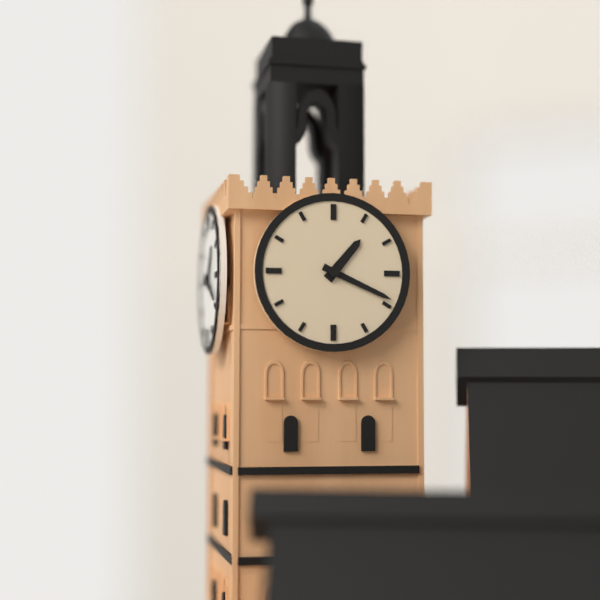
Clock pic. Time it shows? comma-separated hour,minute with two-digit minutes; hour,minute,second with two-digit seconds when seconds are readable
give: 1,19
